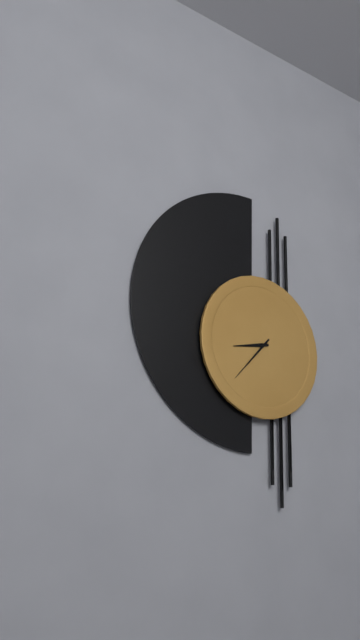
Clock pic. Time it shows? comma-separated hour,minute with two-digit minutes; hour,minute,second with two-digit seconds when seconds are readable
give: 8,37
